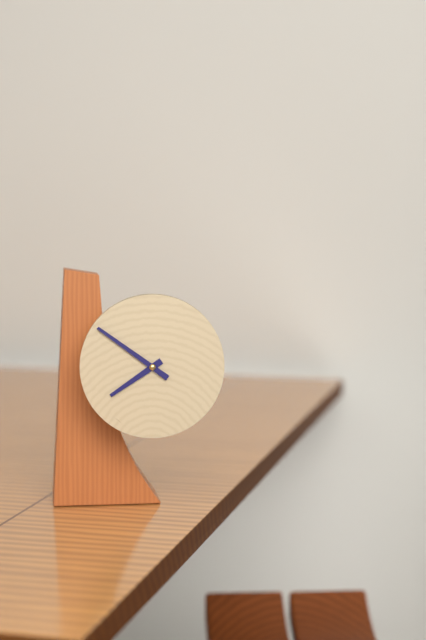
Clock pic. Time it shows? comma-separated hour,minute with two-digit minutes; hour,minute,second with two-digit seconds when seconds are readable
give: 7,51
